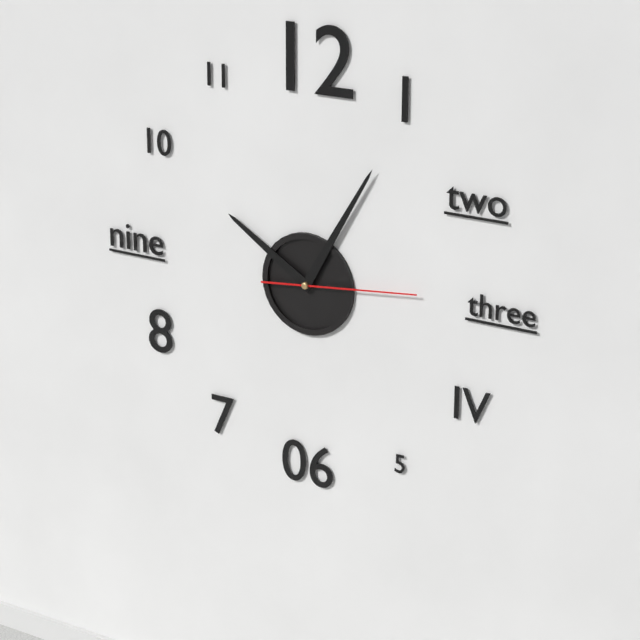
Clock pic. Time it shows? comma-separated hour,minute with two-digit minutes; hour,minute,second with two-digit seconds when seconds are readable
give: 10,05,14
